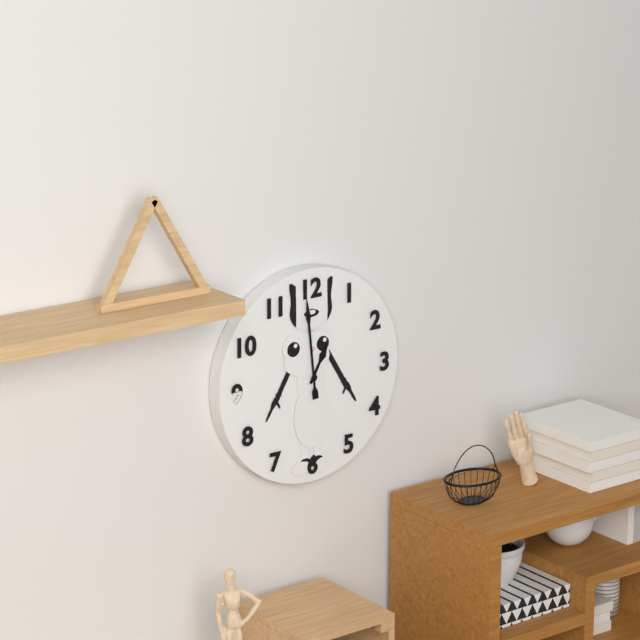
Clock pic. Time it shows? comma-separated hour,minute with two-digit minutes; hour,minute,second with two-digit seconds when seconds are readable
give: 12,59
